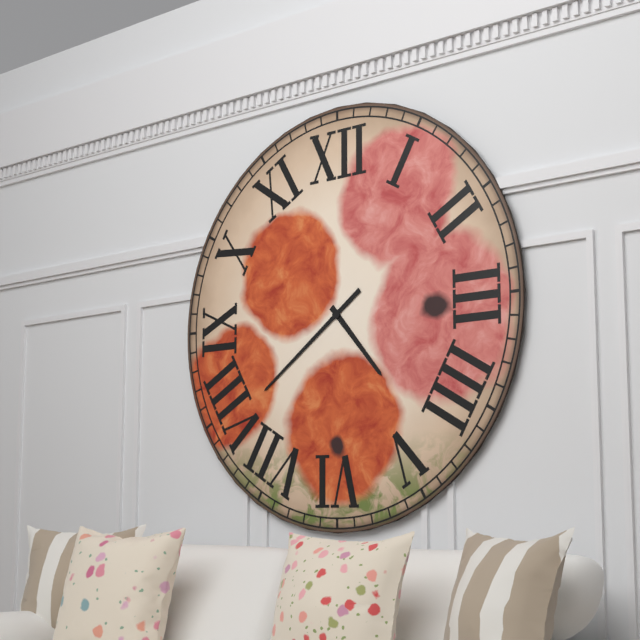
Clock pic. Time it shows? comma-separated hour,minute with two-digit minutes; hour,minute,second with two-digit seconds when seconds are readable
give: 4,39
